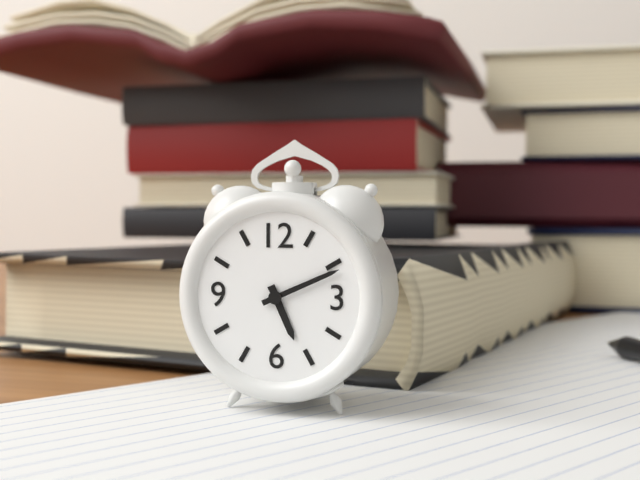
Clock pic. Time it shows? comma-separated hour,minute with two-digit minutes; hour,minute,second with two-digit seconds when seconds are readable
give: 5,11
